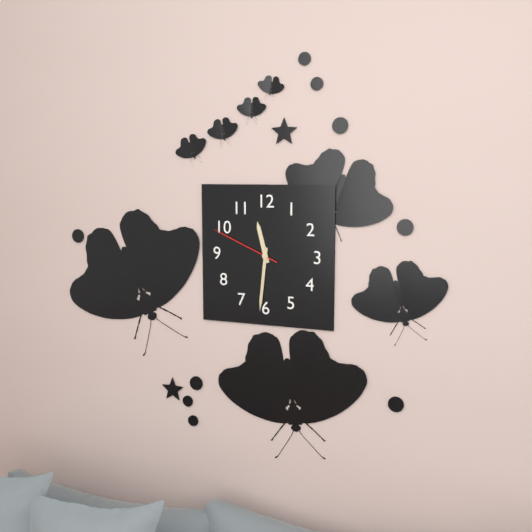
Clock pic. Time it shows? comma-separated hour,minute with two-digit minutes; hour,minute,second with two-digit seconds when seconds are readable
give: 11,31,49
